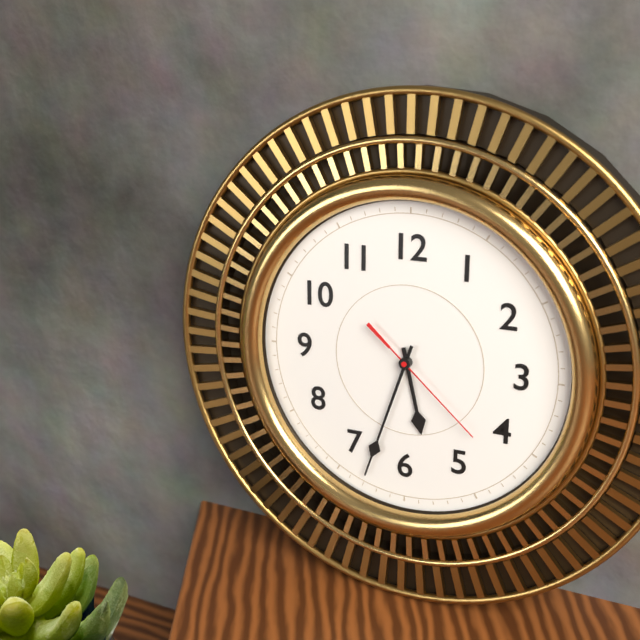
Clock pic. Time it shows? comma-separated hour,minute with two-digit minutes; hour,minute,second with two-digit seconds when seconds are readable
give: 5,33,22
